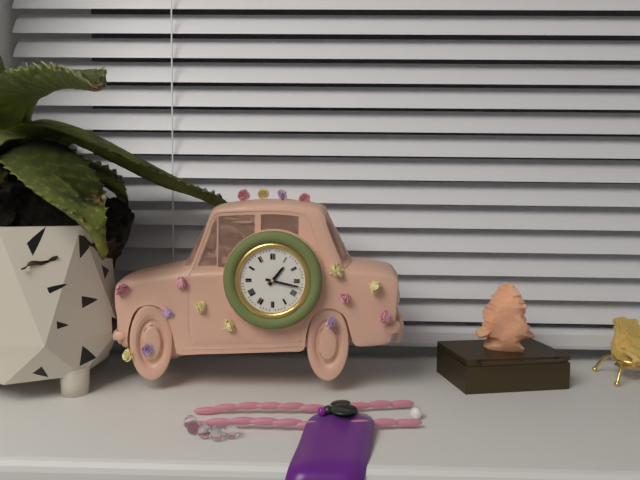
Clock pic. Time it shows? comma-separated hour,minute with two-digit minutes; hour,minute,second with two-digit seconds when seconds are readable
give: 1,17
